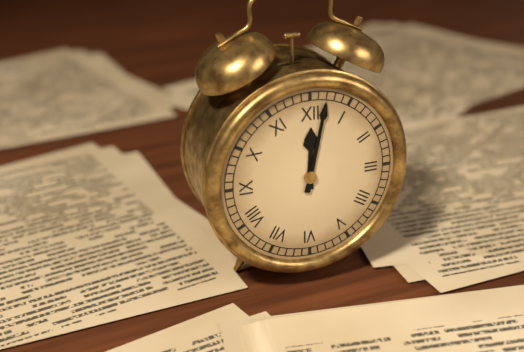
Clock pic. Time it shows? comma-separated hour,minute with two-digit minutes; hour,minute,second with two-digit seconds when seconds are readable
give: 12,02
